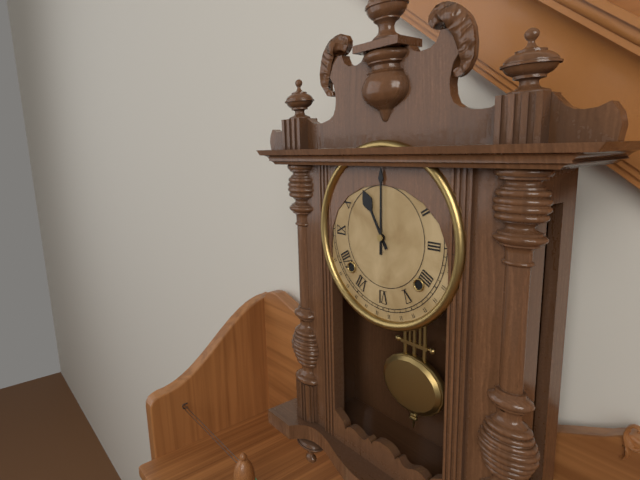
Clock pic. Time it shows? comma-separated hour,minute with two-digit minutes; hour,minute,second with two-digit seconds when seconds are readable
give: 11,00
